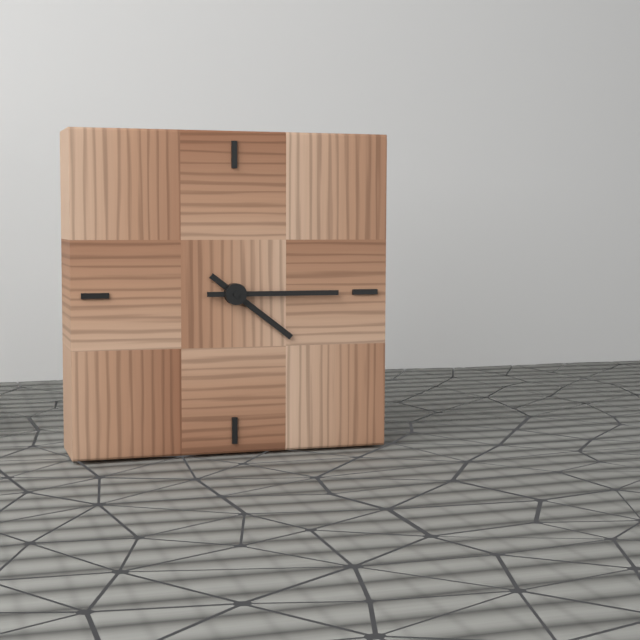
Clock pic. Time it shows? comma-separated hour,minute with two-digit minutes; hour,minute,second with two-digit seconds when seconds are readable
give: 4,15
